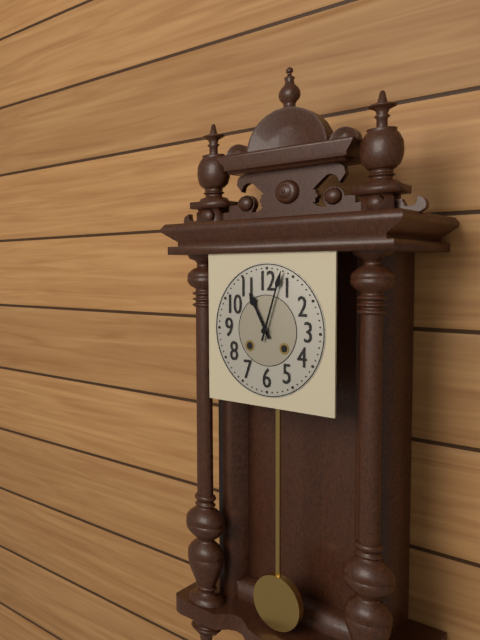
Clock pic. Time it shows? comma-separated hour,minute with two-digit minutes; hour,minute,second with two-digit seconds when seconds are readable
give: 11,03
